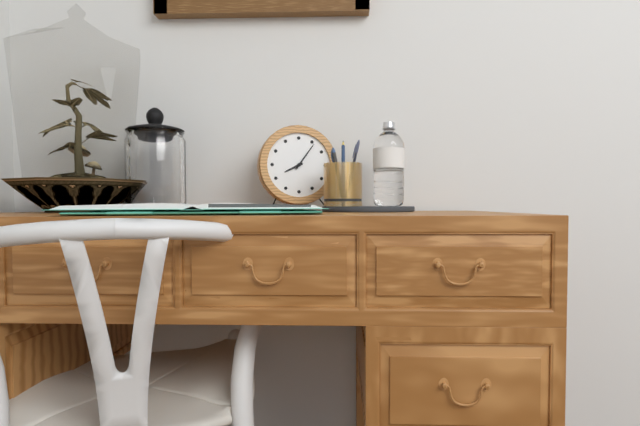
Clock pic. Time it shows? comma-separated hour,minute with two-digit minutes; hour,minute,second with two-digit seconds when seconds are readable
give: 8,06
